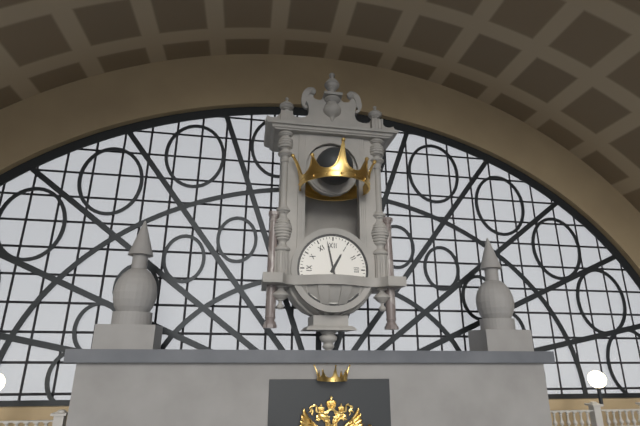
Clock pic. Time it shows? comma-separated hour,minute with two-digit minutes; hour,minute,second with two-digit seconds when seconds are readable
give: 12,58
